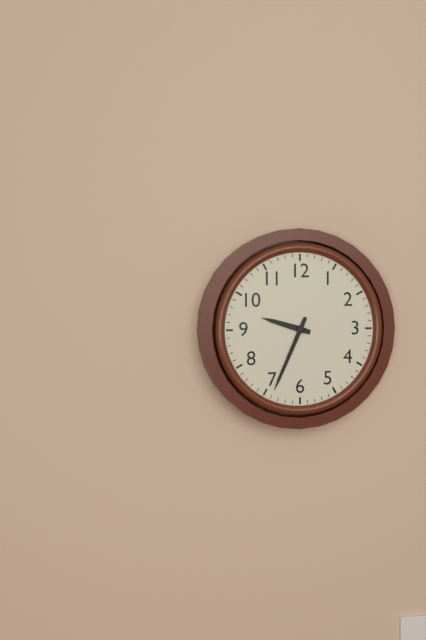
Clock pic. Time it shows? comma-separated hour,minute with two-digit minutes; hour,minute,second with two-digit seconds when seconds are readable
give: 9,34
